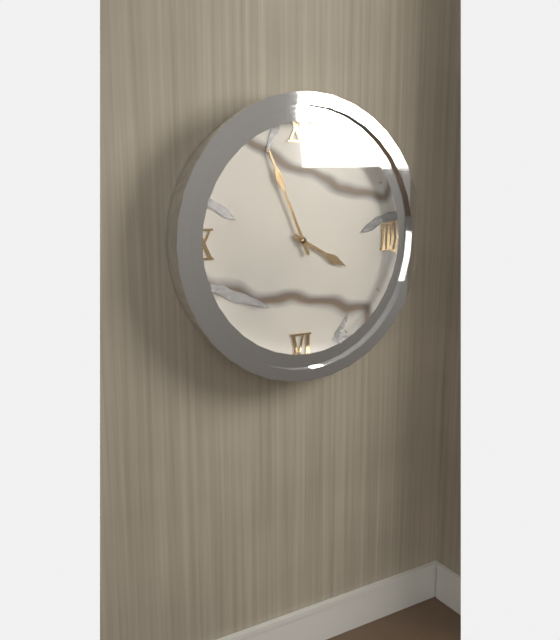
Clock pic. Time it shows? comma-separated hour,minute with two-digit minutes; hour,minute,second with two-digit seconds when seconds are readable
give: 3,56
